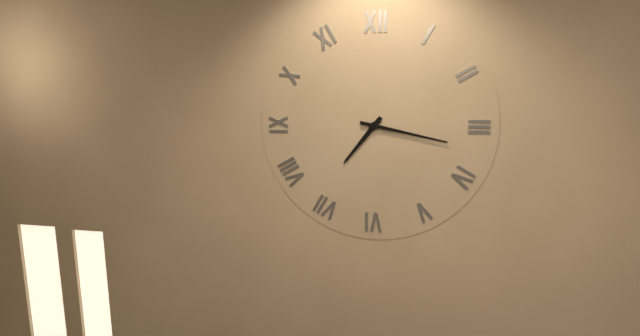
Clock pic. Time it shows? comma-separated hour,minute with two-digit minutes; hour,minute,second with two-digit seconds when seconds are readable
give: 7,17
